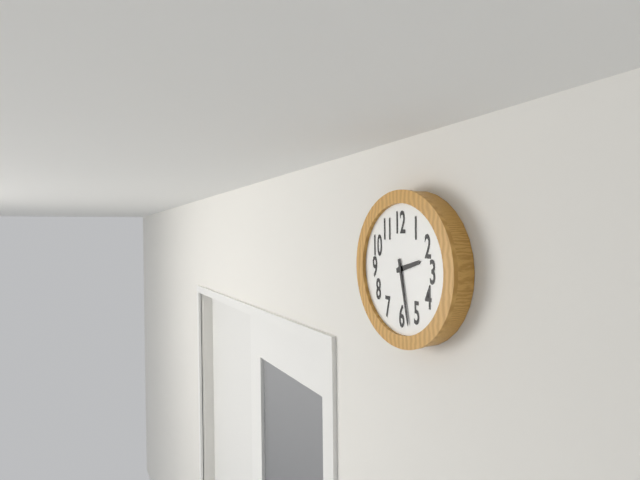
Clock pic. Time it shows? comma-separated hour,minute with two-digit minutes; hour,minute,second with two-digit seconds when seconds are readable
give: 2,28
